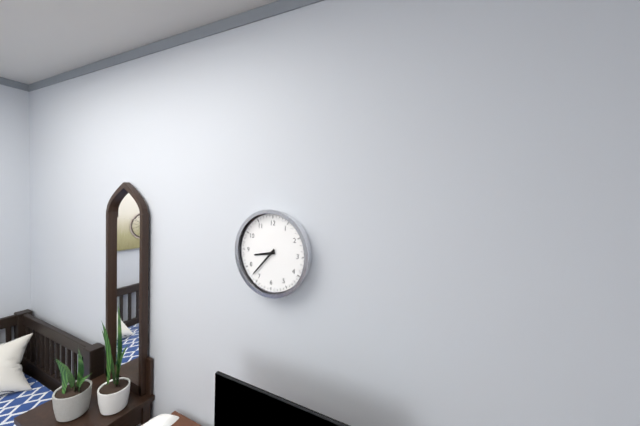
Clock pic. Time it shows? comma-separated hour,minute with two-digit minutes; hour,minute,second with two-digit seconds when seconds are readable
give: 8,37
